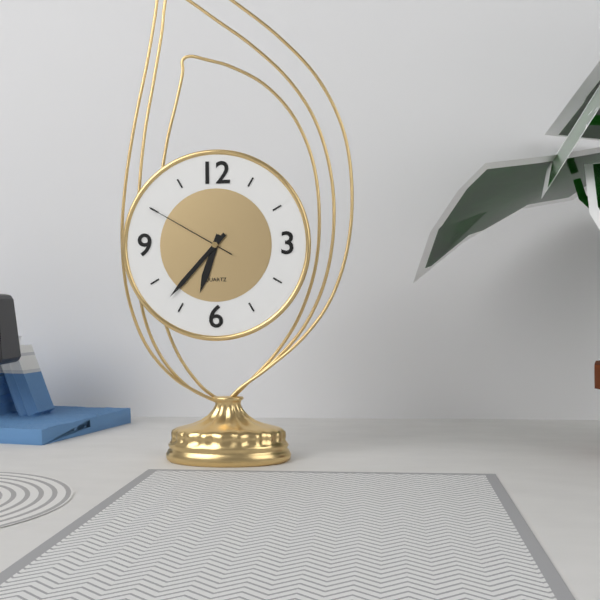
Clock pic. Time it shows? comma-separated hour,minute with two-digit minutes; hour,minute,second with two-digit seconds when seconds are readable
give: 6,37,50
